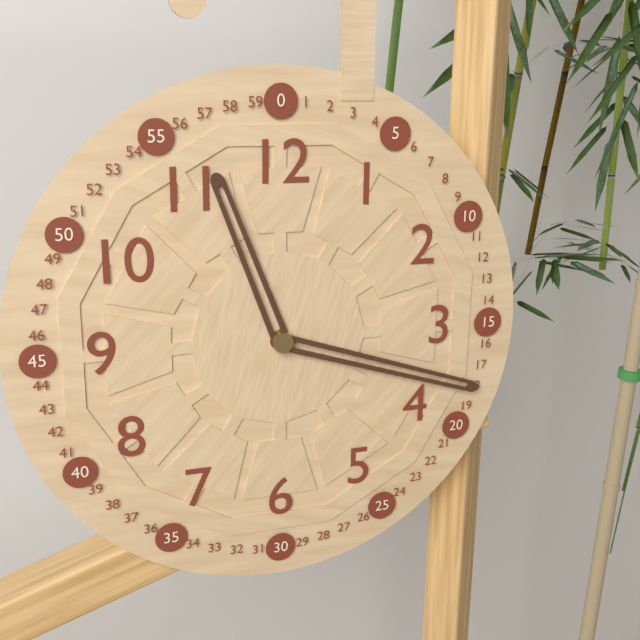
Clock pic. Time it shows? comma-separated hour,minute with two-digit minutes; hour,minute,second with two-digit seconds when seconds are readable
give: 11,18
